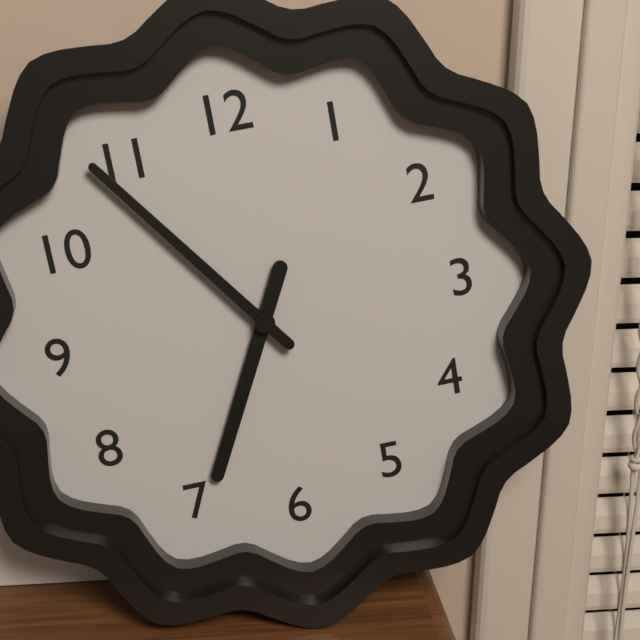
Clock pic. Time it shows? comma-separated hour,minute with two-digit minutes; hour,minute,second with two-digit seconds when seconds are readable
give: 6,54
